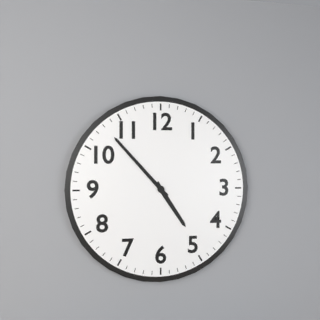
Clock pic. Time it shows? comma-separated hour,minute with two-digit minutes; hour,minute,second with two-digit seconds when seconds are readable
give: 4,53
